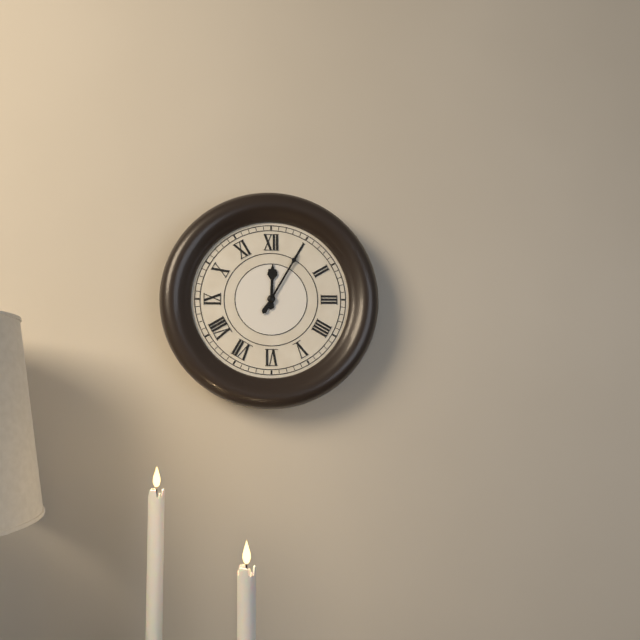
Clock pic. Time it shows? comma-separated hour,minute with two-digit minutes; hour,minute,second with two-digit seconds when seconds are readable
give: 12,05
